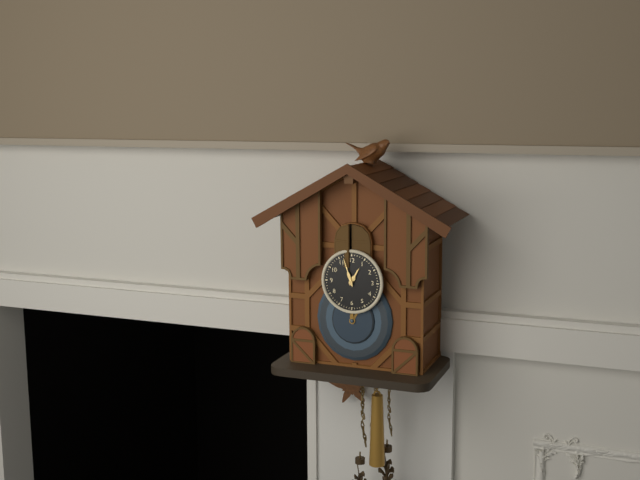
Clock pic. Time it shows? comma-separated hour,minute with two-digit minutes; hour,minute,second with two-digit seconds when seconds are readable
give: 12,57
